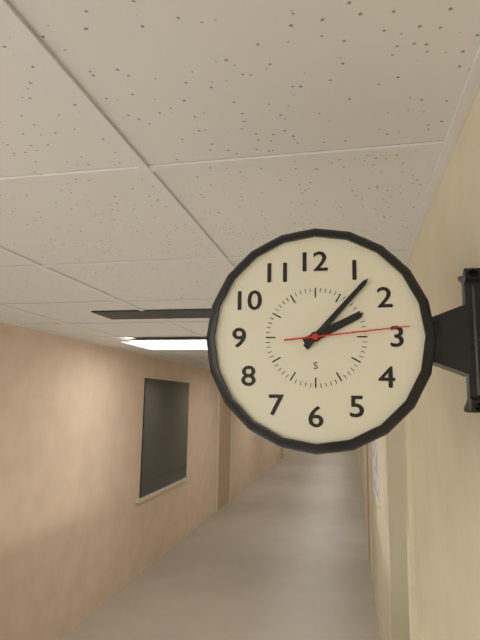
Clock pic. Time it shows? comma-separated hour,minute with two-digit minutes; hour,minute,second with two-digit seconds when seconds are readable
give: 2,07,14
